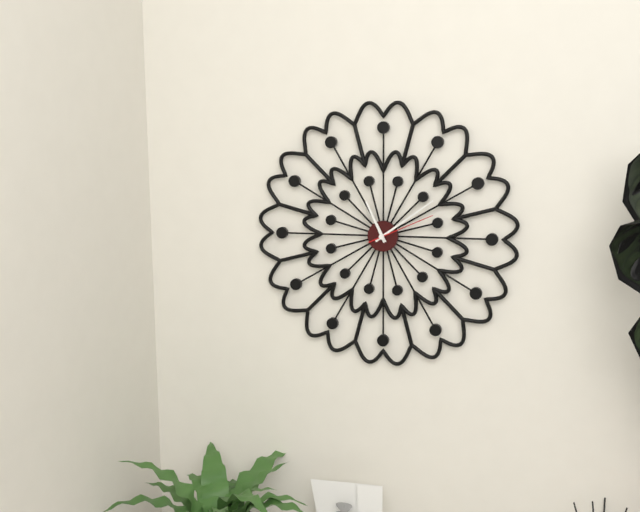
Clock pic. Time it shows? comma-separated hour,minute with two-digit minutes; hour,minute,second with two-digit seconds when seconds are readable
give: 11,09,11
